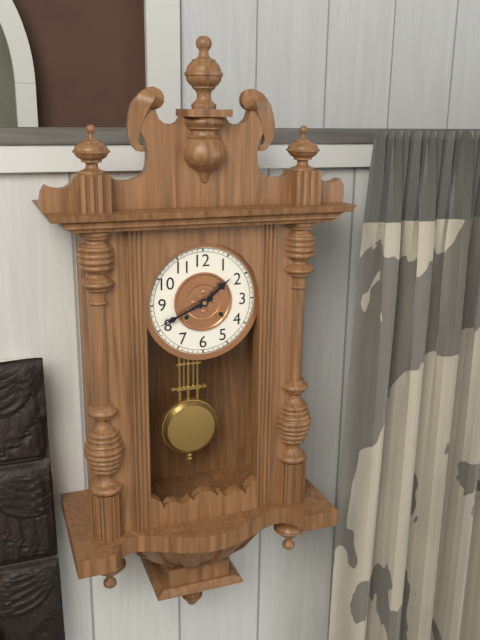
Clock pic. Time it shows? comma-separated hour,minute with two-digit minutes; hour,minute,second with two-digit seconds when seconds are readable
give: 1,41
